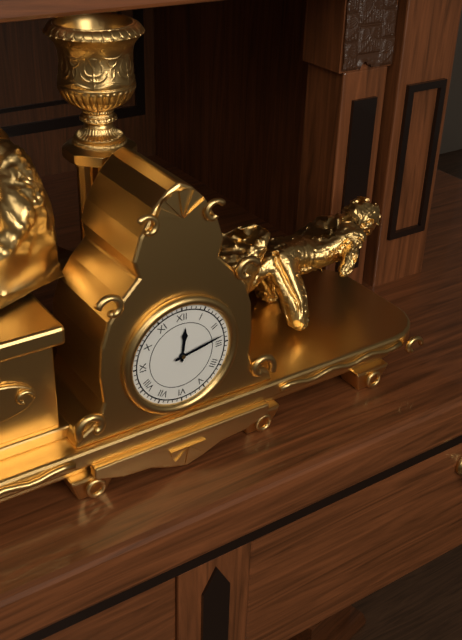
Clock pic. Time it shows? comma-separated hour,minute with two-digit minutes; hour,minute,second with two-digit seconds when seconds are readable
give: 12,13
